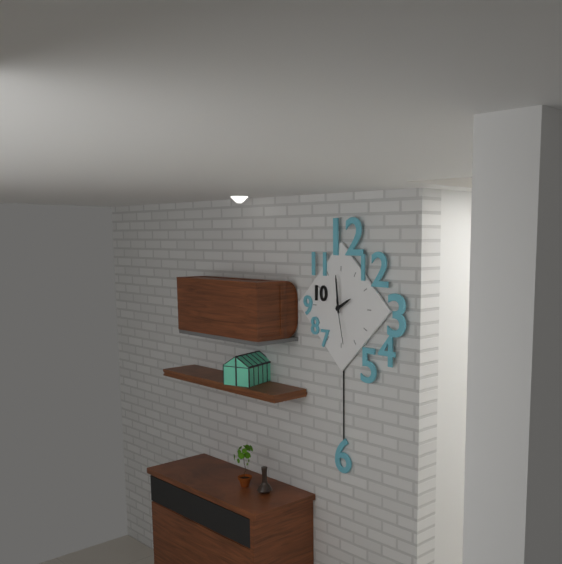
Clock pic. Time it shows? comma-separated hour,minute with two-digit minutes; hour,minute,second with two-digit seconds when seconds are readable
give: 1,59
